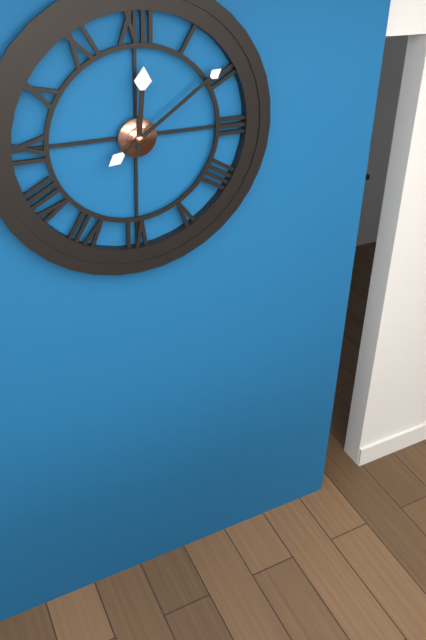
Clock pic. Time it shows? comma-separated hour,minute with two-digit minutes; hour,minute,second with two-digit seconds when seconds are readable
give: 12,09
